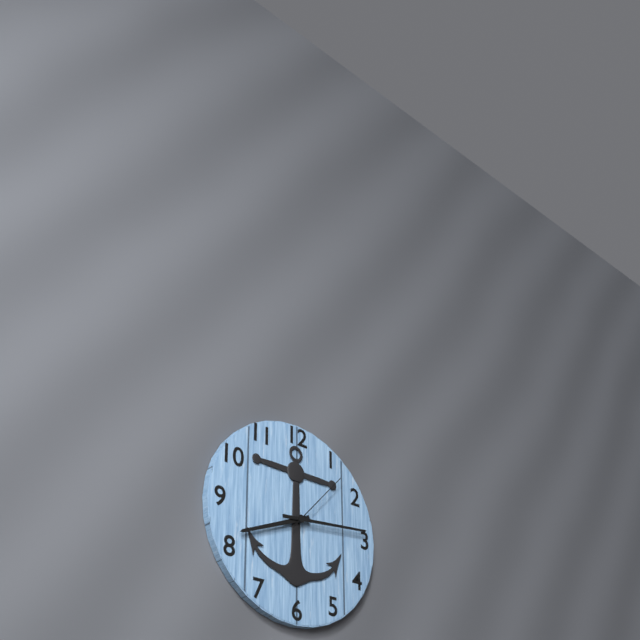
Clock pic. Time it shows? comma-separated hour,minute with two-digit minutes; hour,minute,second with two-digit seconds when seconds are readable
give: 8,14,07
